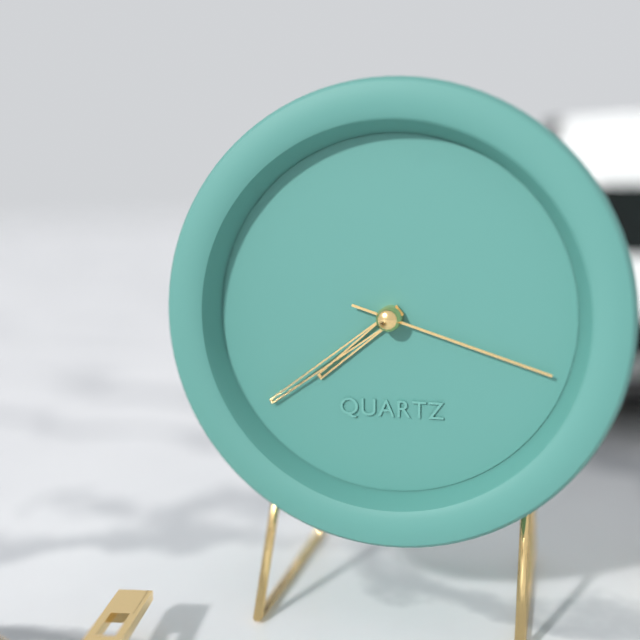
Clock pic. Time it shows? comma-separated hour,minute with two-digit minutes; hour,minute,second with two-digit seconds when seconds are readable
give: 7,39,18
